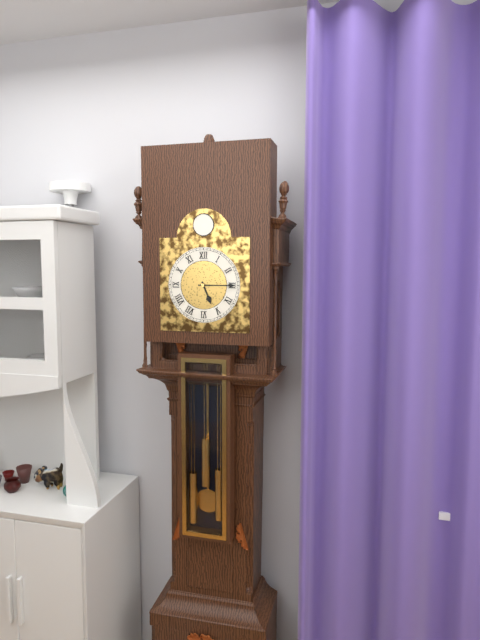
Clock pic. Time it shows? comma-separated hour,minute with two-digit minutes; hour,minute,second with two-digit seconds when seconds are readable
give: 5,15
